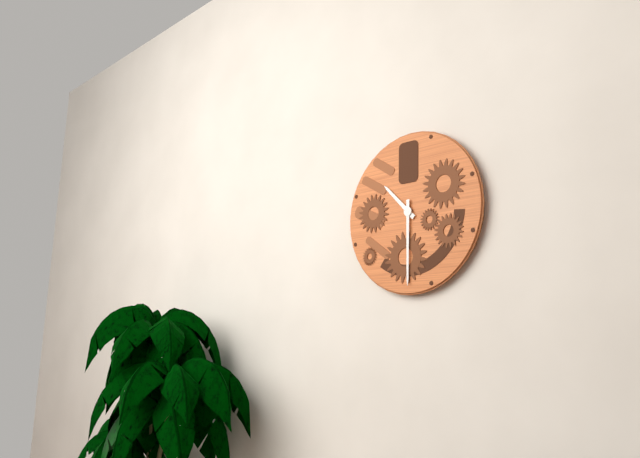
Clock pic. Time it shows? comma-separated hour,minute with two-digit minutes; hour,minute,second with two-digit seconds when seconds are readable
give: 10,30
